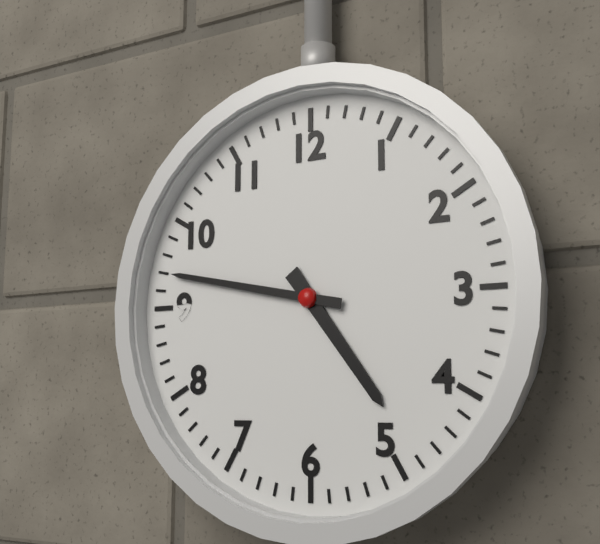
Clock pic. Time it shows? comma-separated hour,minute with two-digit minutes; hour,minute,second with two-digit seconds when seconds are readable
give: 4,47
